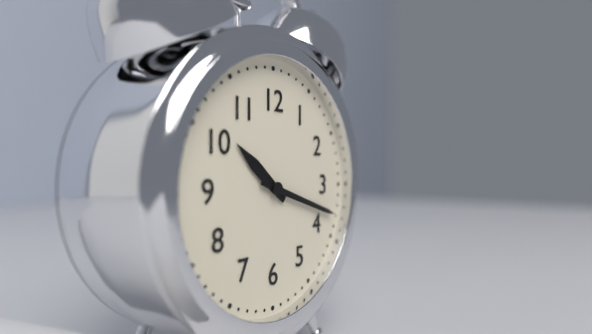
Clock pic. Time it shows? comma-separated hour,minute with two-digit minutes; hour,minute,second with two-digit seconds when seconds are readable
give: 10,18
